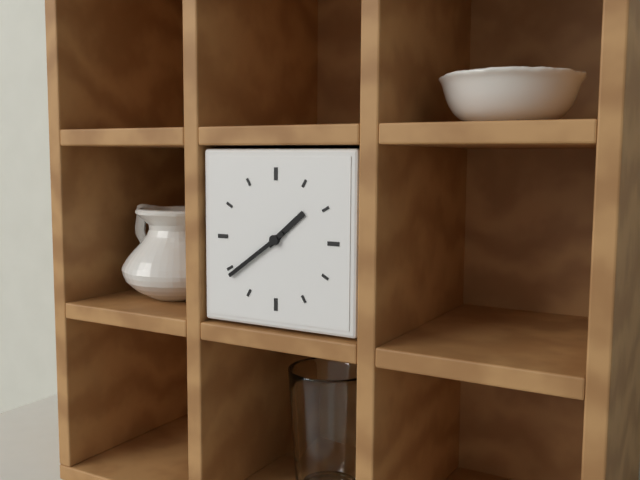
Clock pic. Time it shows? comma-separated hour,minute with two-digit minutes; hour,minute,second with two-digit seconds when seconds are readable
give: 1,39
